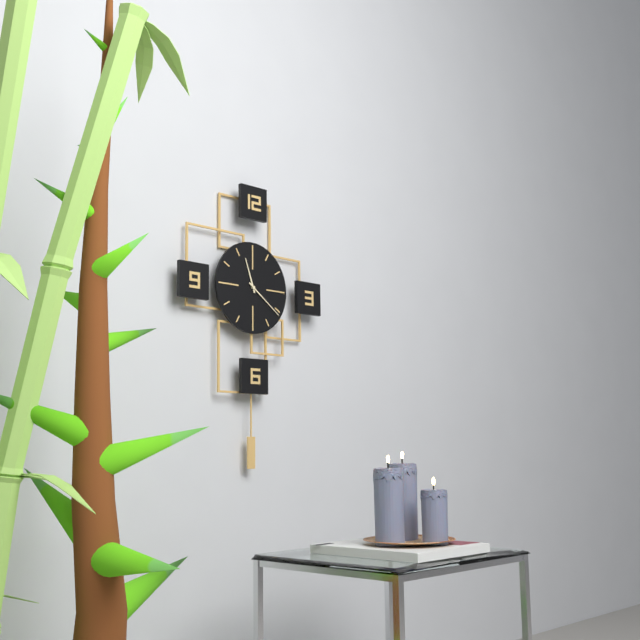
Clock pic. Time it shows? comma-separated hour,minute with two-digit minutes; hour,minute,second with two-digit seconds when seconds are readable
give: 11,21
